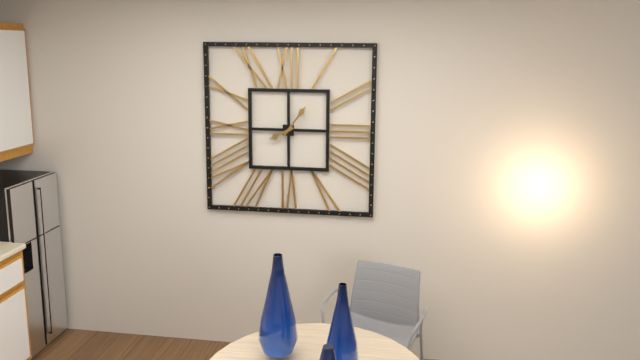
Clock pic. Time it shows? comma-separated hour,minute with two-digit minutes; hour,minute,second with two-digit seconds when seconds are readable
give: 8,06
